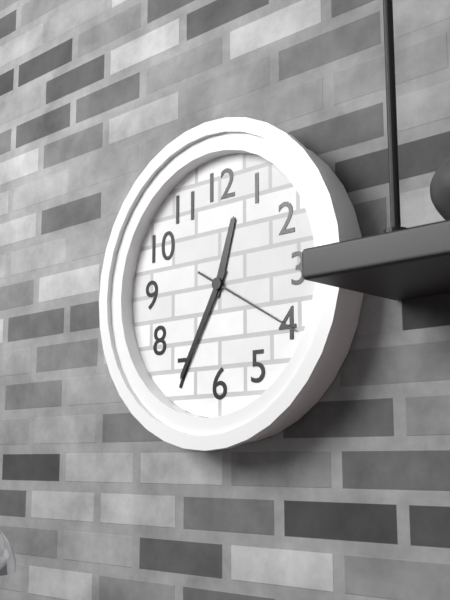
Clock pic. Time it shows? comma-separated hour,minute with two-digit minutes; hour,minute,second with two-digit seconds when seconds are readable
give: 12,35,20
